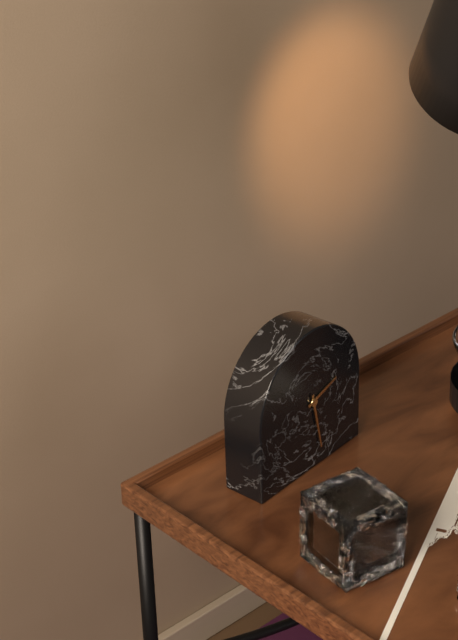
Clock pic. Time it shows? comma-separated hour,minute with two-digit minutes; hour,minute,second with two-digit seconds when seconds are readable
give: 2,28
